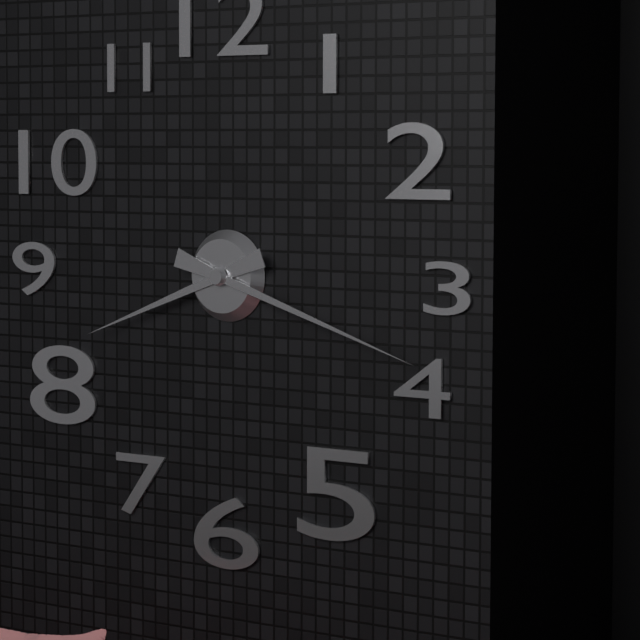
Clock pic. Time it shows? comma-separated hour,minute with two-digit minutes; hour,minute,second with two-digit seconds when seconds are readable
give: 8,18
